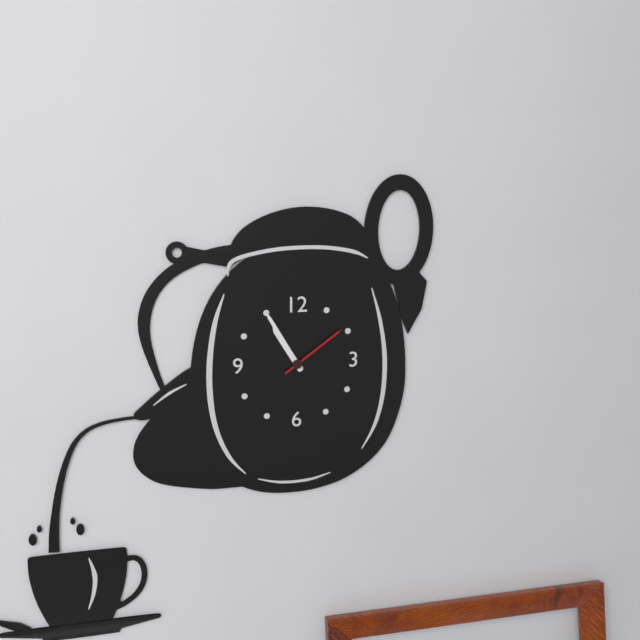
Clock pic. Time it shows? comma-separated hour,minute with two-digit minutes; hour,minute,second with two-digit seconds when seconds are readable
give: 10,55,09
